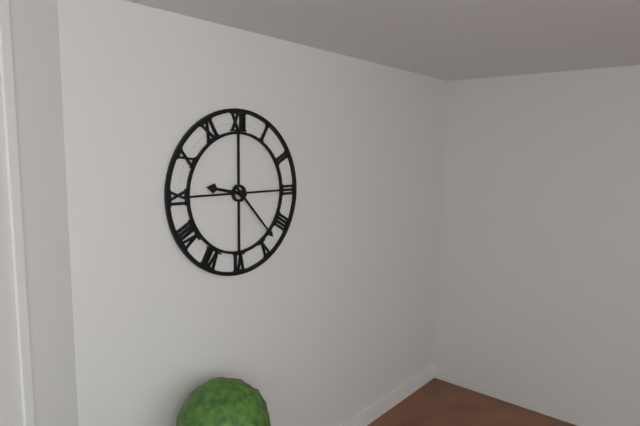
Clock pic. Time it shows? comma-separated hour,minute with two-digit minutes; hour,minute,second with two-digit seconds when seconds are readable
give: 9,23
